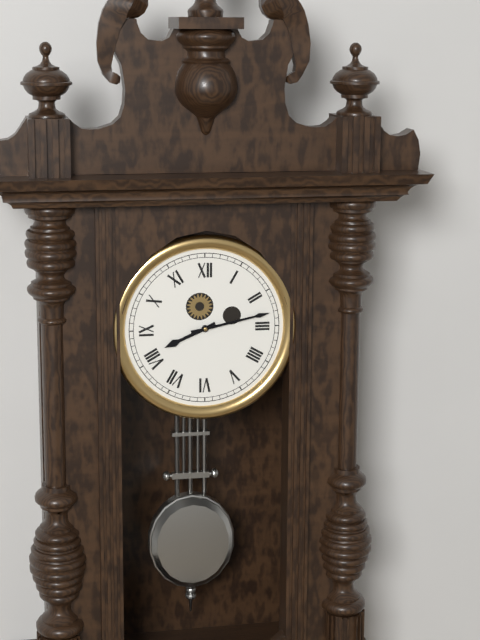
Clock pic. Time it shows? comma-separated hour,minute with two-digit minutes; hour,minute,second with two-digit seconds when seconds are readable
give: 8,13
